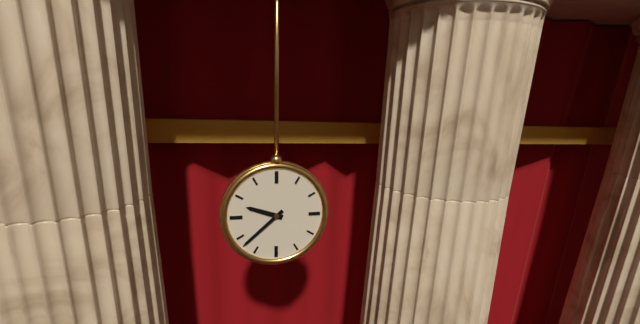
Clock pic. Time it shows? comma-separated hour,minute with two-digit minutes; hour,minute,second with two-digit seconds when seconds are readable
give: 9,38
